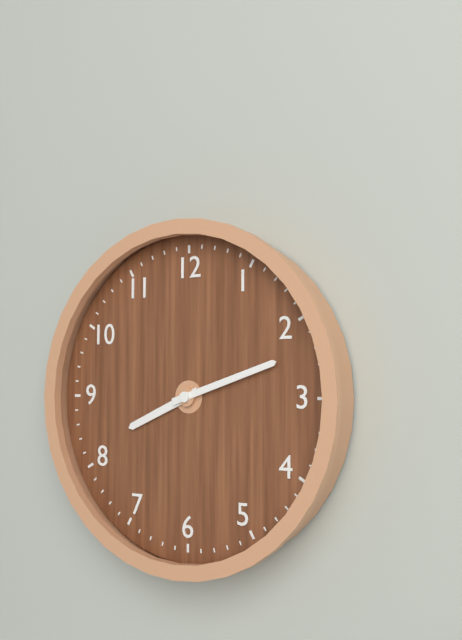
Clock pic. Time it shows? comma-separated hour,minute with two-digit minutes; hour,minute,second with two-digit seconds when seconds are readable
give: 8,12
